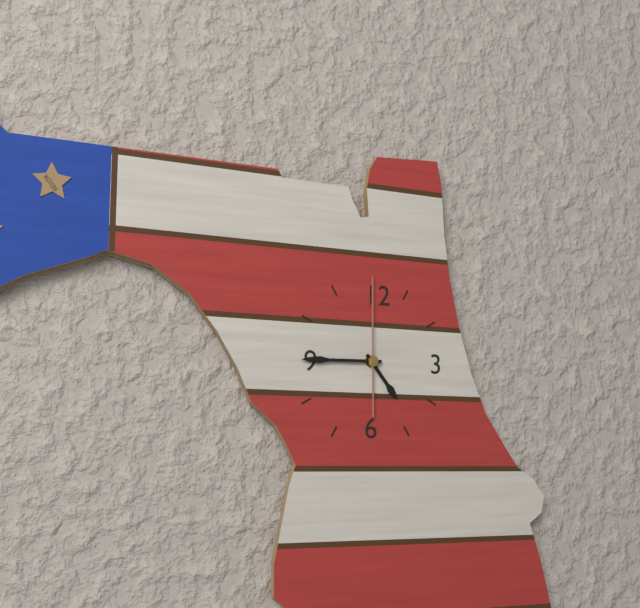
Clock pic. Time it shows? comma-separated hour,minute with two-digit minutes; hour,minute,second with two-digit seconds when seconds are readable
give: 4,45,00
